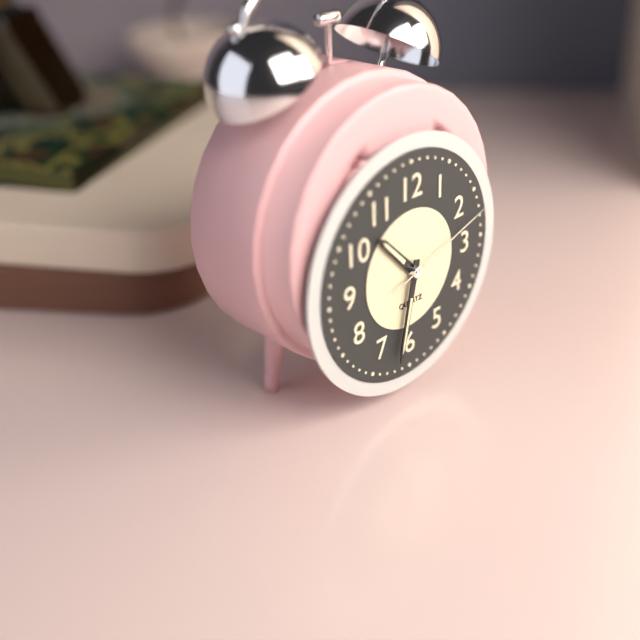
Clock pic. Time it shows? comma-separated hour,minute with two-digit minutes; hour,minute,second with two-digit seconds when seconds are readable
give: 10,32,12
